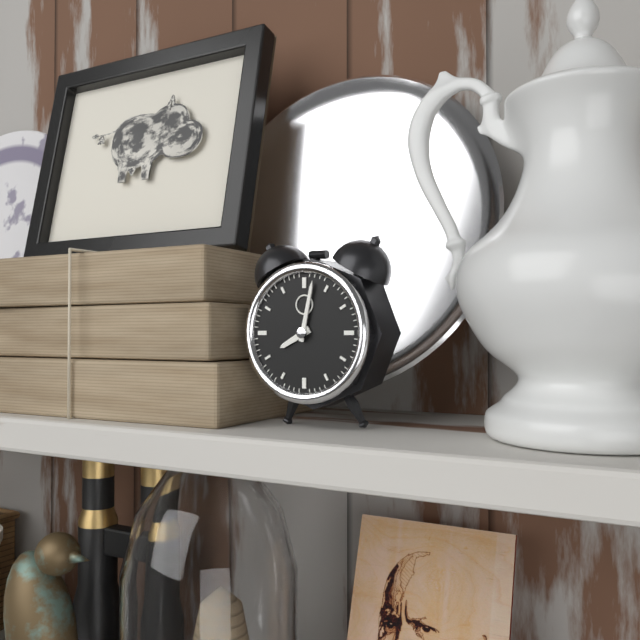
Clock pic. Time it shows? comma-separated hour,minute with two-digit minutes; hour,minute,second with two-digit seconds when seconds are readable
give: 8,02
